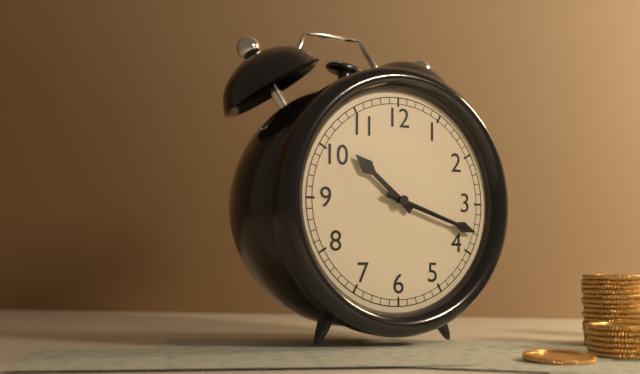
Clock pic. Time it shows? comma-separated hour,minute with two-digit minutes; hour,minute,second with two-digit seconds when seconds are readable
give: 10,18,18
